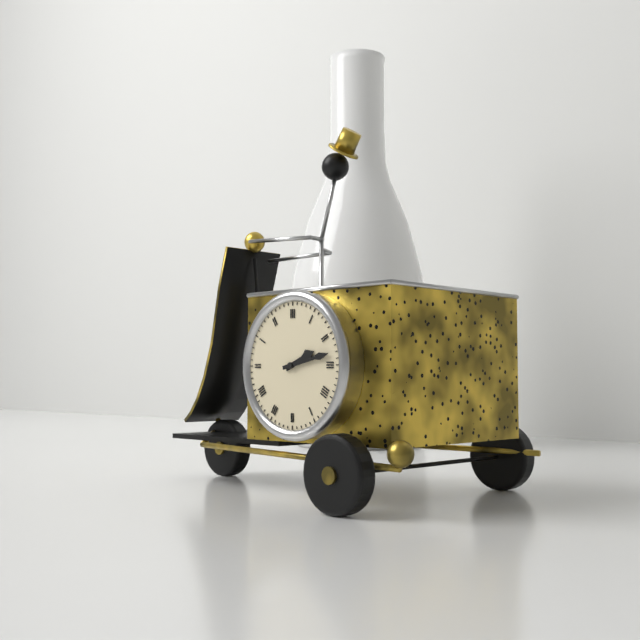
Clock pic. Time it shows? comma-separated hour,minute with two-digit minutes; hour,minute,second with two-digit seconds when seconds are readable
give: 2,13
